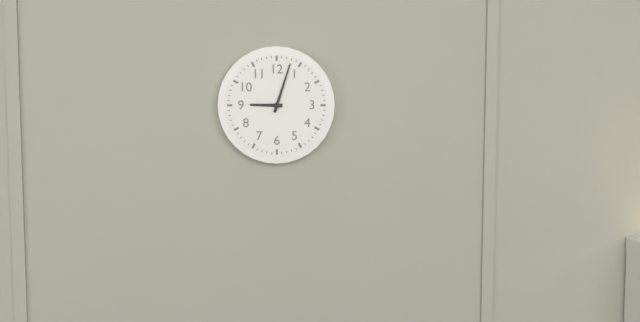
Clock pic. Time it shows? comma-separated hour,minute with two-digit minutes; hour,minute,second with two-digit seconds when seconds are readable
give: 9,03
